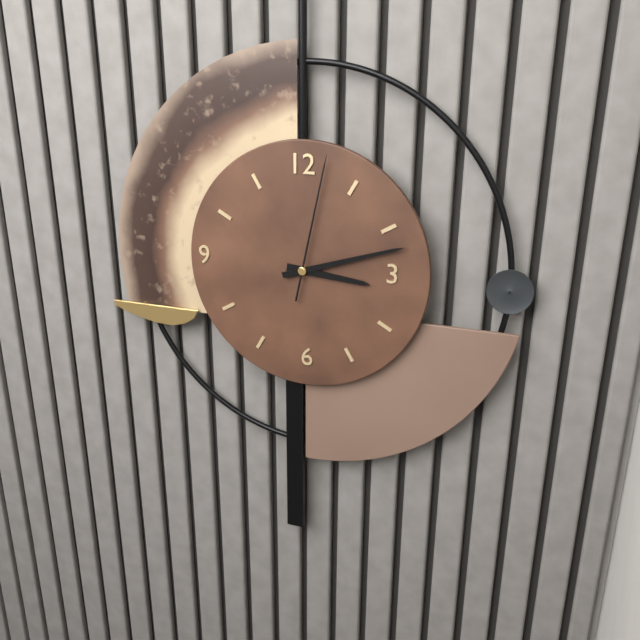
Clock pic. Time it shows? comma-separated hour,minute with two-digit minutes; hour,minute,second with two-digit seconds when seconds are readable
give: 3,12,02
